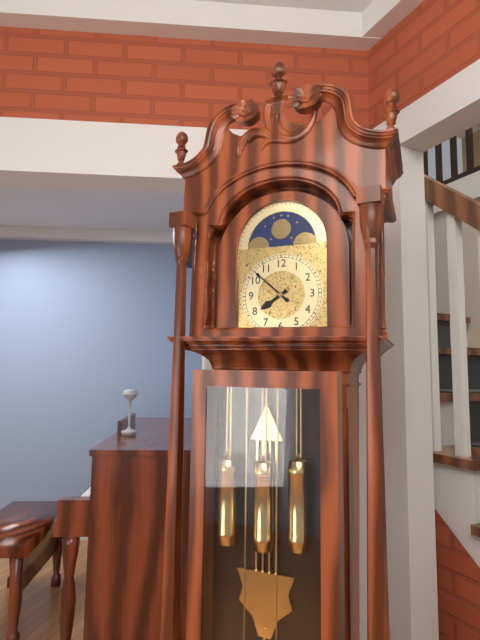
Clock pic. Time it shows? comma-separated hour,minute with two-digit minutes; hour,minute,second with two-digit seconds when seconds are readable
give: 7,52
